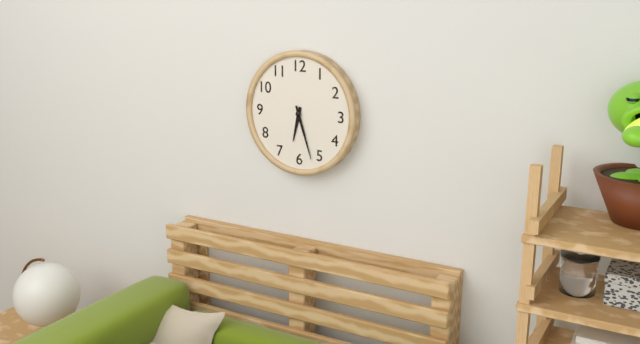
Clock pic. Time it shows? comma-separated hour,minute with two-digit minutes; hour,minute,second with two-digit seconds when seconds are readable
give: 6,27
